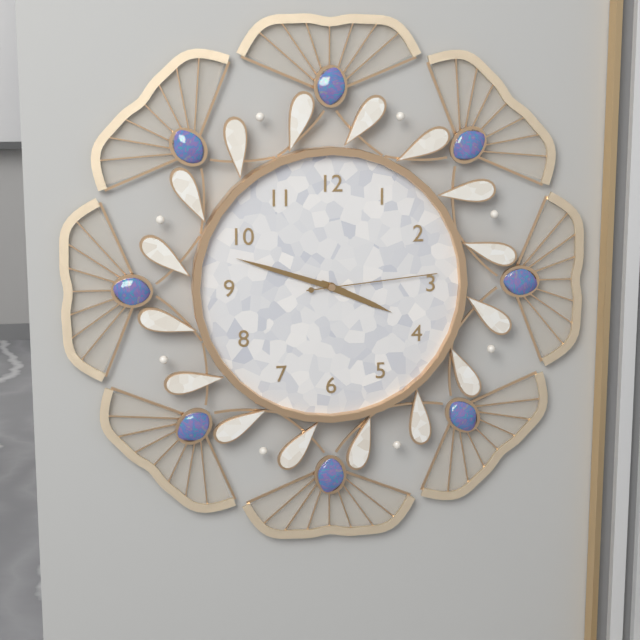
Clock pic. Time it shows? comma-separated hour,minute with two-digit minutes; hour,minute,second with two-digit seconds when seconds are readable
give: 3,48,14
